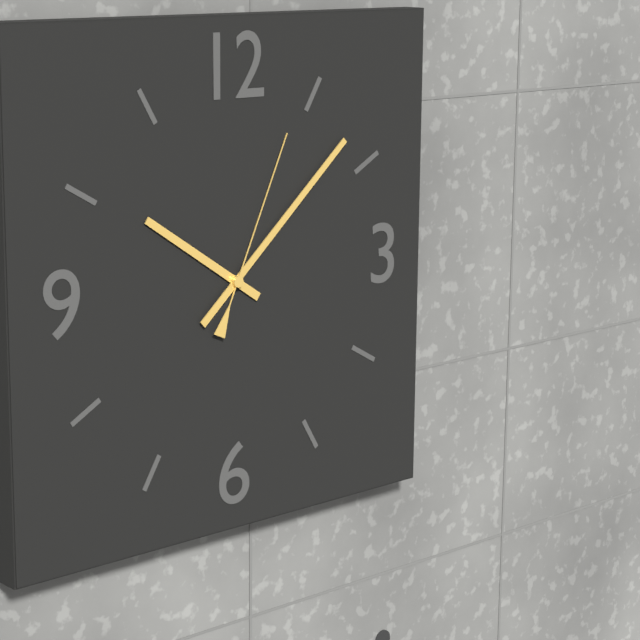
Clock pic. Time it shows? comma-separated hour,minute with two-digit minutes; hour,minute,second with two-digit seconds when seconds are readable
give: 10,08,04
